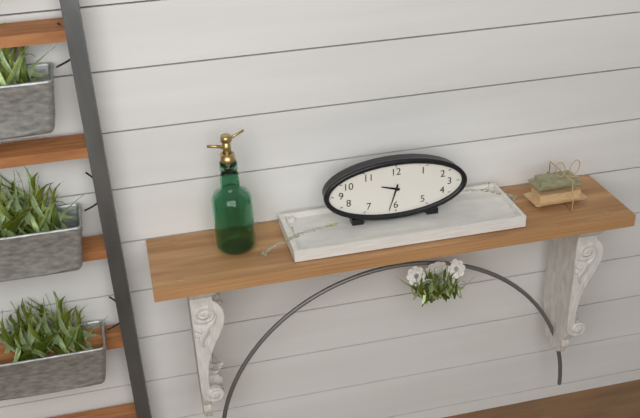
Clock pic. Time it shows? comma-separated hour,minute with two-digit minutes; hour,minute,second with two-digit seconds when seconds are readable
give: 9,33
